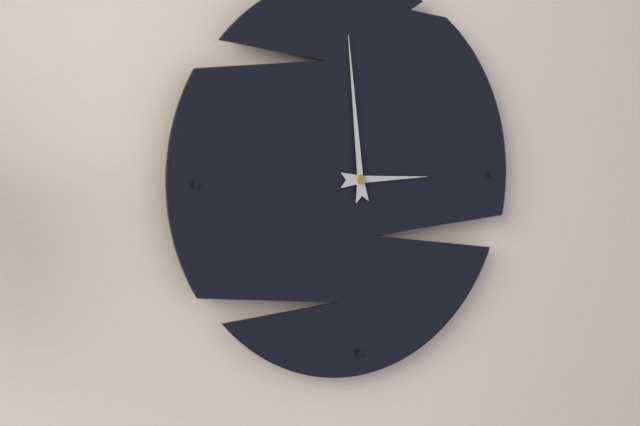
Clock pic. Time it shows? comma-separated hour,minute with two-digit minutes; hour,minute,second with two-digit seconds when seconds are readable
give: 2,59
